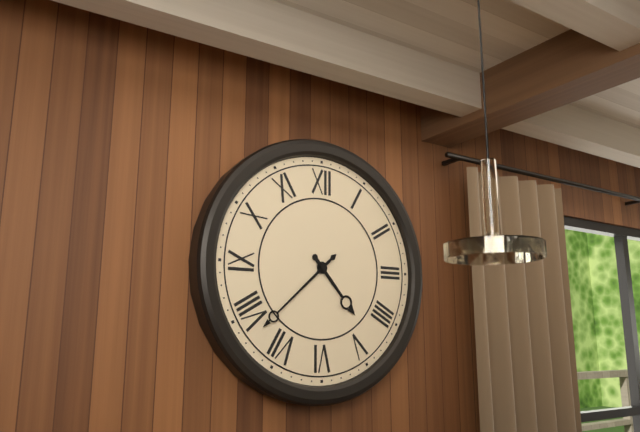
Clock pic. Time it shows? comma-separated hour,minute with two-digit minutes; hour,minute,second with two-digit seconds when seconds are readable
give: 4,38
